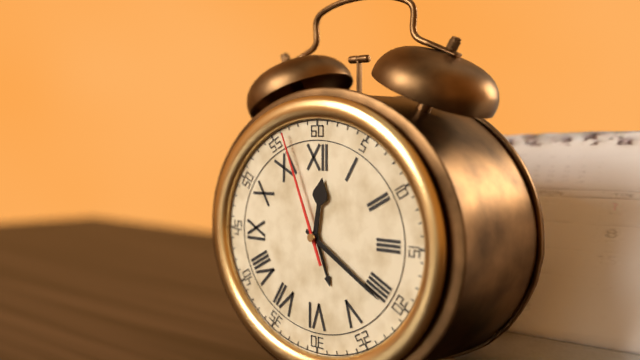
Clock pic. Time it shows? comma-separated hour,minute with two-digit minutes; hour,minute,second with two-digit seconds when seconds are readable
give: 12,20,56
